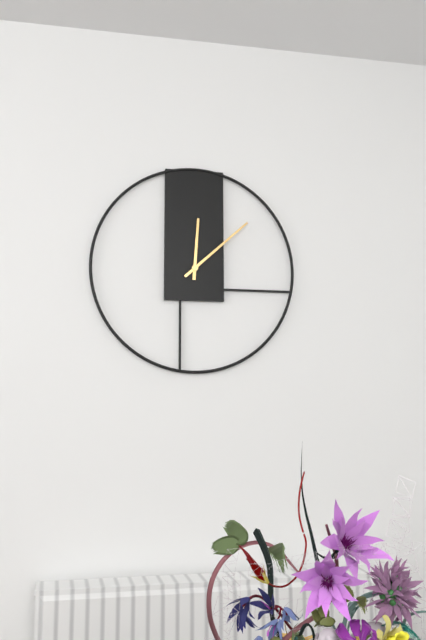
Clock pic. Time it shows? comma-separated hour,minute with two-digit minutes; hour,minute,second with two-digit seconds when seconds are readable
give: 12,08
